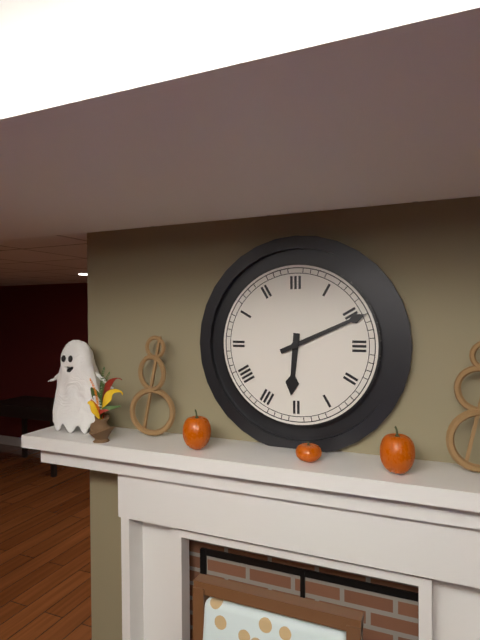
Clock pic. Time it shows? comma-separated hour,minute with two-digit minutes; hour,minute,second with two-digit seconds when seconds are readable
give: 6,11
